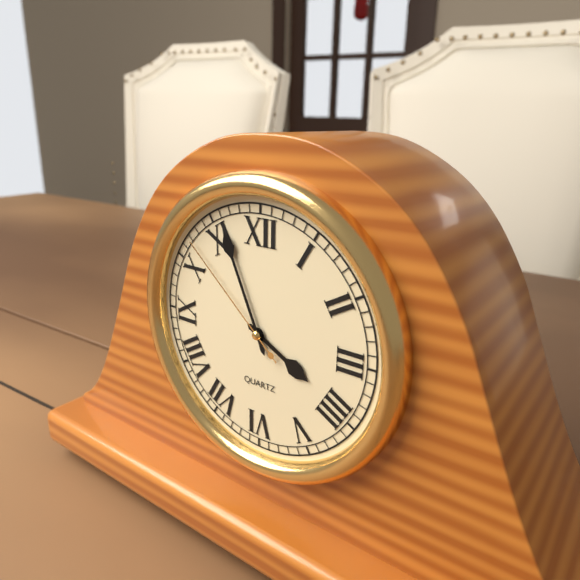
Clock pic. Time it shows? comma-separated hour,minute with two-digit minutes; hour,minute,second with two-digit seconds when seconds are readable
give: 3,56,52
